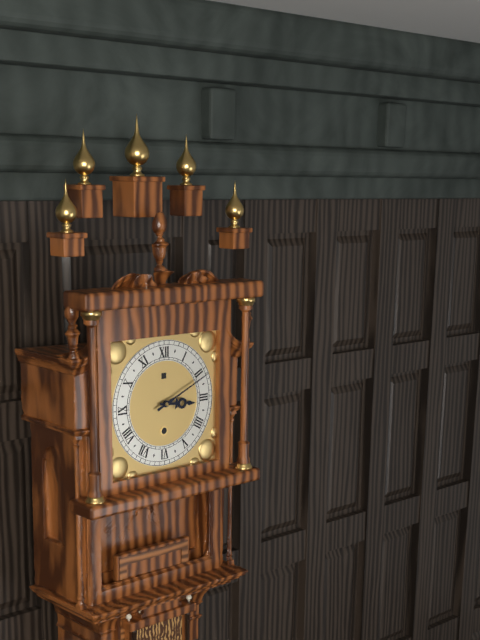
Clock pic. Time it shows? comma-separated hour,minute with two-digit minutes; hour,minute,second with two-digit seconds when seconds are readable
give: 3,11
